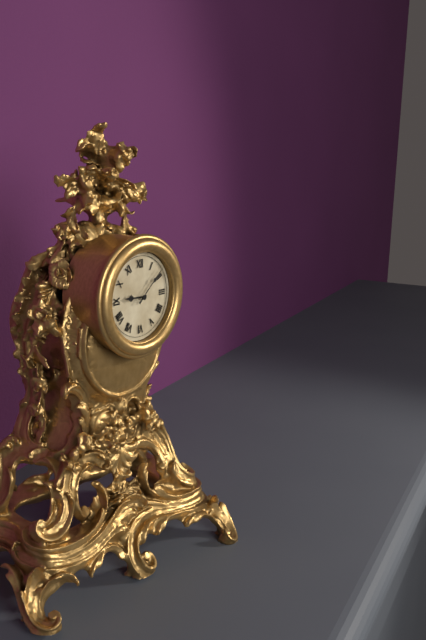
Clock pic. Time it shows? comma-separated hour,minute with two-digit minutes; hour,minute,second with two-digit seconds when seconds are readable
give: 9,08
